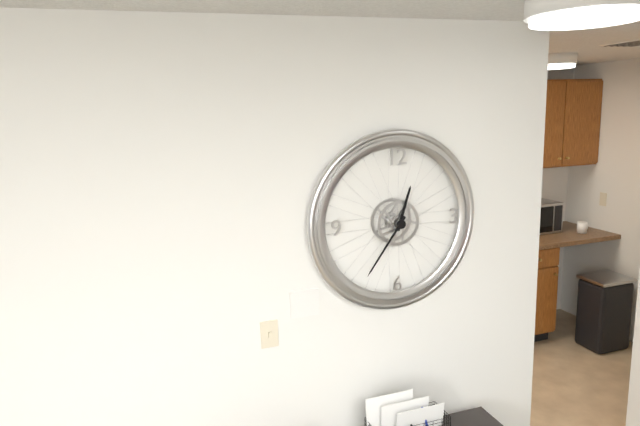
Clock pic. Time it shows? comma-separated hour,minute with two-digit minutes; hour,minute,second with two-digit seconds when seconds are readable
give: 12,36
